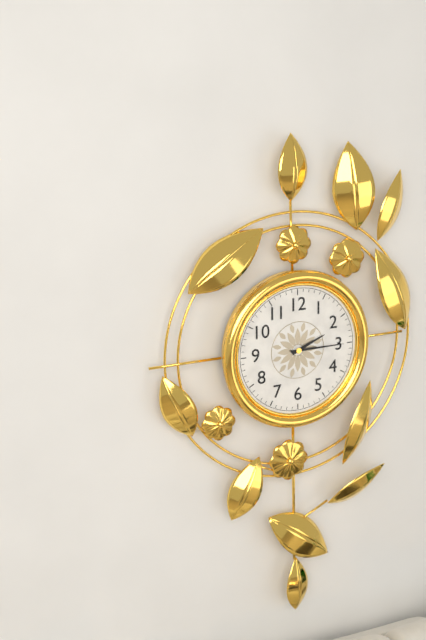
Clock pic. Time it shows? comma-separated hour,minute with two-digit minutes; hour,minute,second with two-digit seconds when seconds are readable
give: 2,15
